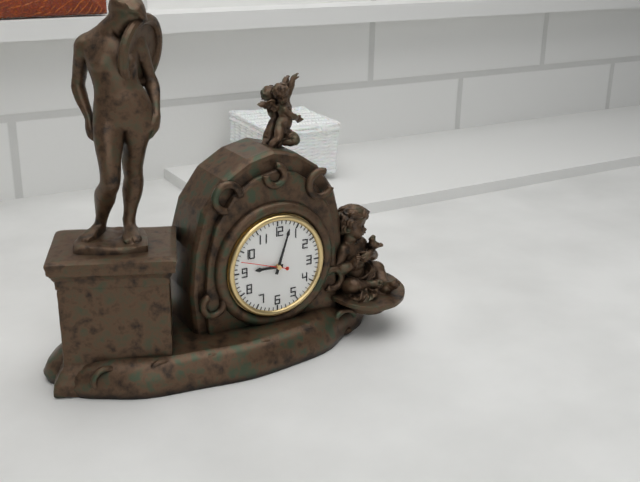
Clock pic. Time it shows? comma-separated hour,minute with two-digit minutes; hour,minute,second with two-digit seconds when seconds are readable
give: 9,03
